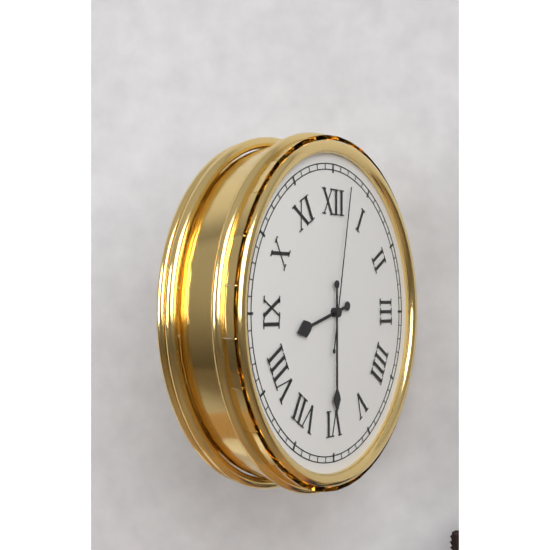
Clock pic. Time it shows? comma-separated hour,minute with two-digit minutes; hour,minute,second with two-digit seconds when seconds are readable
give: 8,30,02
